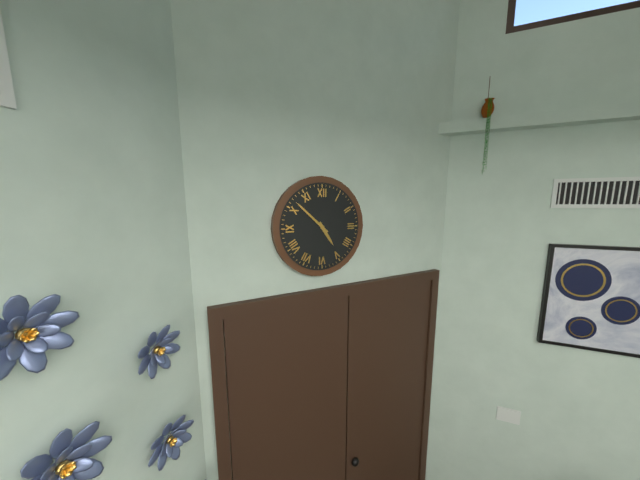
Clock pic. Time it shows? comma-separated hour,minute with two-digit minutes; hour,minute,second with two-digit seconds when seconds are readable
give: 4,52
